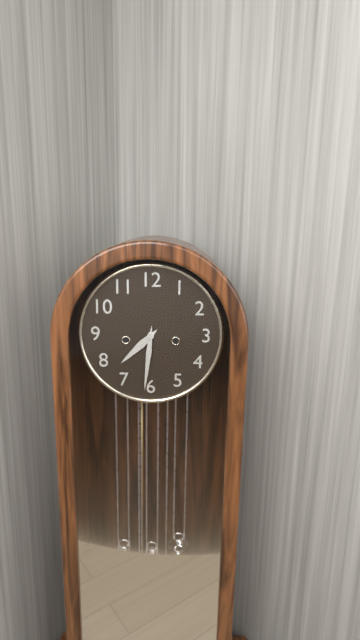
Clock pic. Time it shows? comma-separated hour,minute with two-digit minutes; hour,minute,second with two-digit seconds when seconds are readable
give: 7,31
